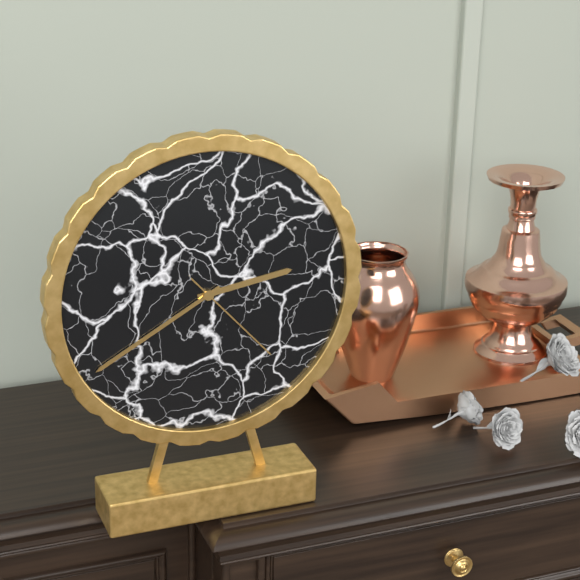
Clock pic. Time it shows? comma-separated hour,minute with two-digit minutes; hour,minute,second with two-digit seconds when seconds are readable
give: 2,40,23
